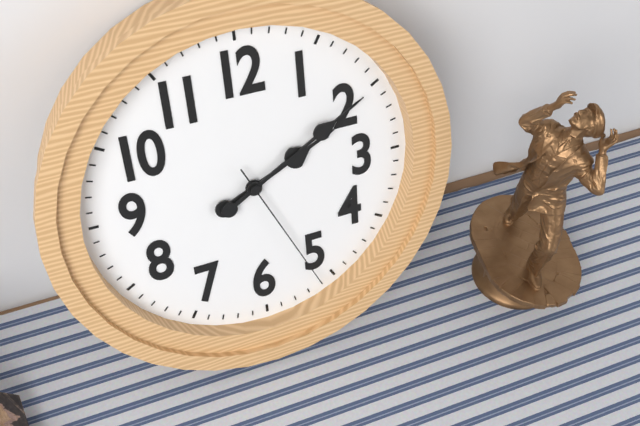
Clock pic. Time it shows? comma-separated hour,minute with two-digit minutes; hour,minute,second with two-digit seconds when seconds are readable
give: 2,10,26
